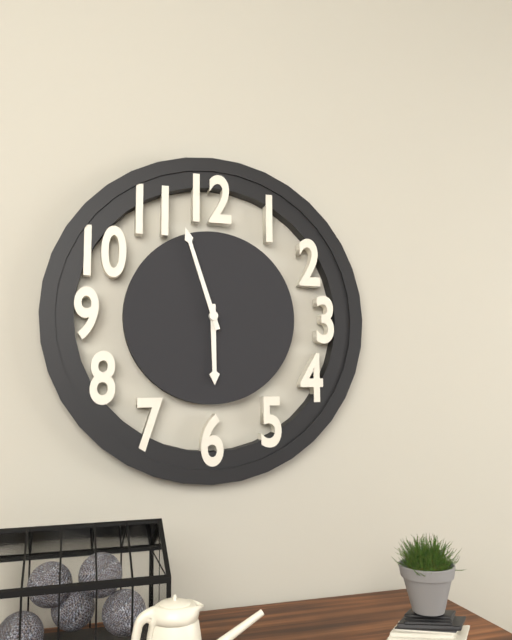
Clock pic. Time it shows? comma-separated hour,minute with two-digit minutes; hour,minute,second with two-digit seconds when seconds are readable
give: 5,57
